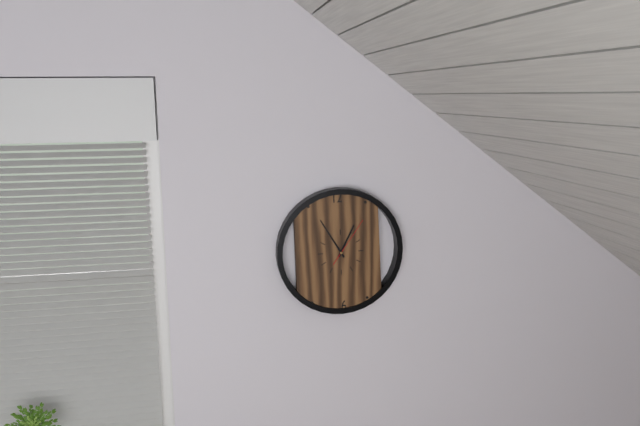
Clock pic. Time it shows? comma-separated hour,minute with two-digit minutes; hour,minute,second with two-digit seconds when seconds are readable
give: 12,55
